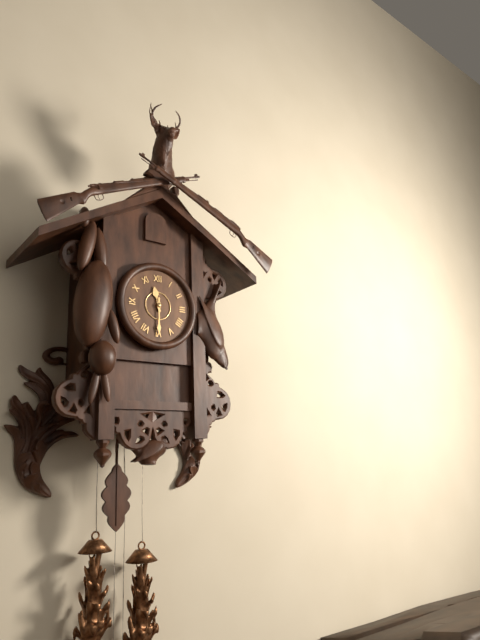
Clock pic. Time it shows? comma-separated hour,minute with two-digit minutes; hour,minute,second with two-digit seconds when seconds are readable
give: 11,30
